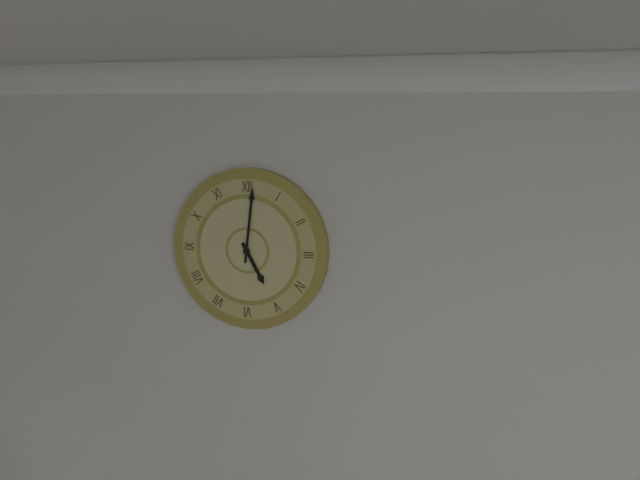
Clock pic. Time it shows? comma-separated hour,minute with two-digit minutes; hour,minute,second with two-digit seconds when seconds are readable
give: 5,01
